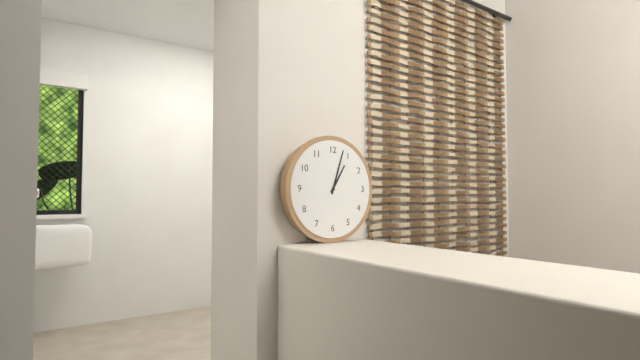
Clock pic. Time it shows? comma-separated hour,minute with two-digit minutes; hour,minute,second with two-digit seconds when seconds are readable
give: 1,03
